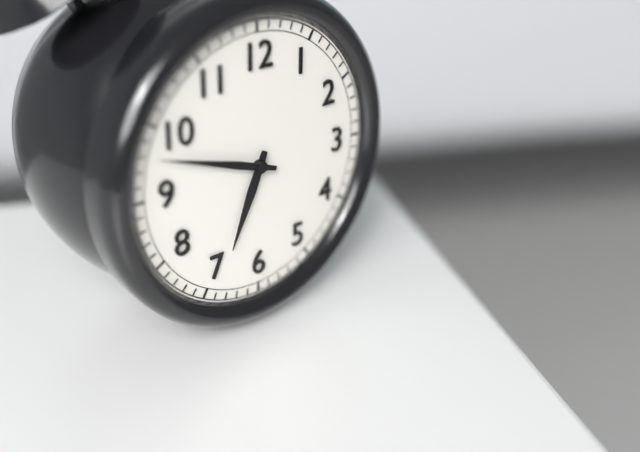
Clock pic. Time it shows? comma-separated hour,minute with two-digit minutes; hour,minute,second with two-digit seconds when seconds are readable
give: 6,48
